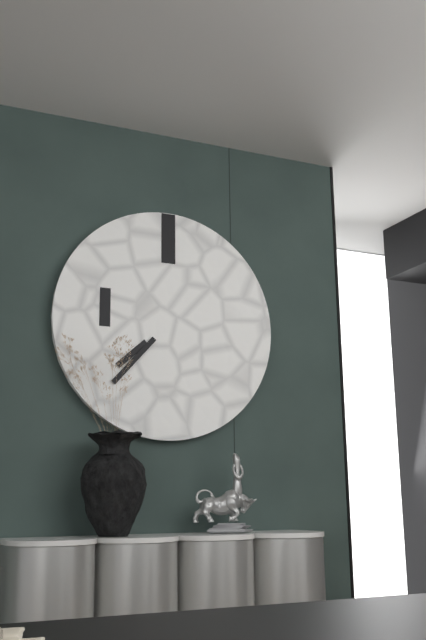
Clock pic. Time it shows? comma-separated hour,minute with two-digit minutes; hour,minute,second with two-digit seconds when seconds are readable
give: 7,37
